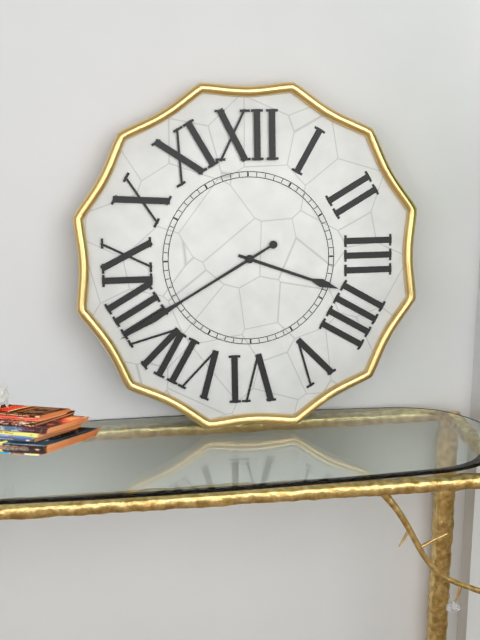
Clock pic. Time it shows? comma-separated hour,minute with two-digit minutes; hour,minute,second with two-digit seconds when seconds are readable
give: 3,40
